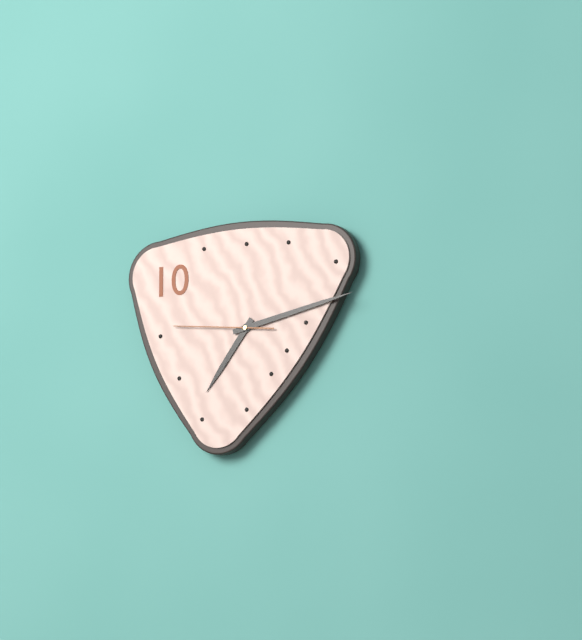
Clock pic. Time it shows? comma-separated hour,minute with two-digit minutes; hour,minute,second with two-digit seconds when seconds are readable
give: 7,13,46
